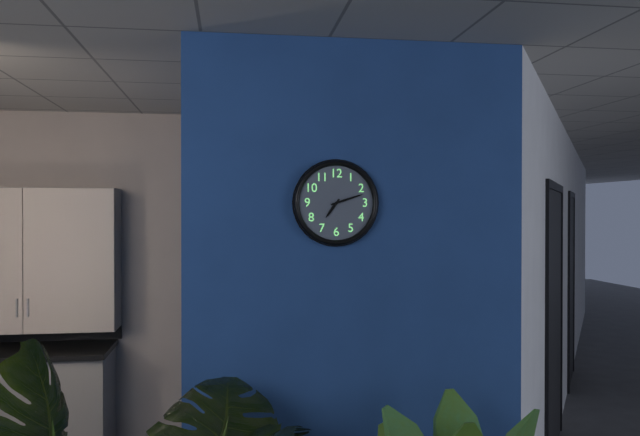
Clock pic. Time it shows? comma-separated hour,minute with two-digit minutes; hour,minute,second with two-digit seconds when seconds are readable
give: 7,12
